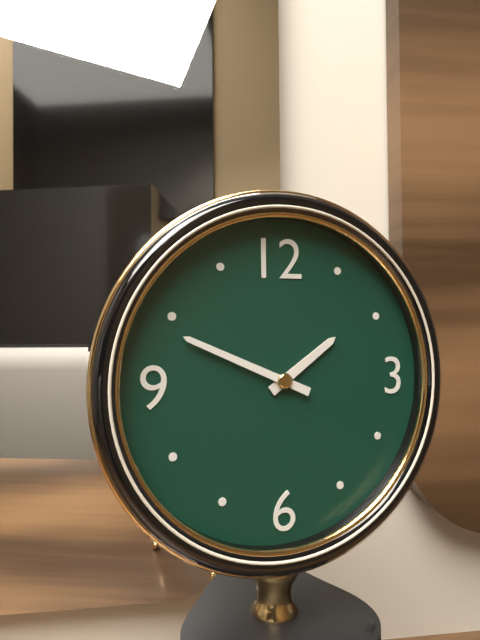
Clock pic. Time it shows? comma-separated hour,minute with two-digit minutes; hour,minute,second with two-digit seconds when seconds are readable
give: 1,49
